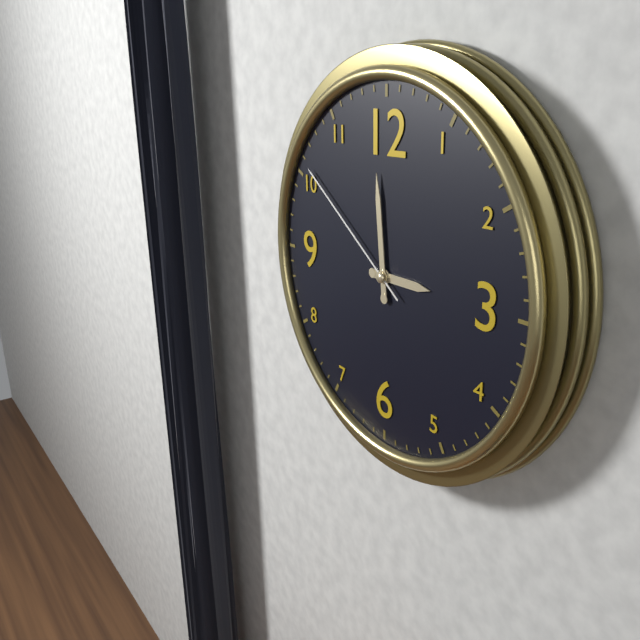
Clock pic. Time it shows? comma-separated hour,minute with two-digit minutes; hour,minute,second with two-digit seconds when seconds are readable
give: 2,59,51
